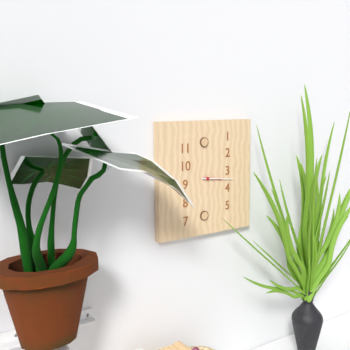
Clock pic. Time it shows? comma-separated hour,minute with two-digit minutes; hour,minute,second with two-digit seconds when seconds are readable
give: 3,16
